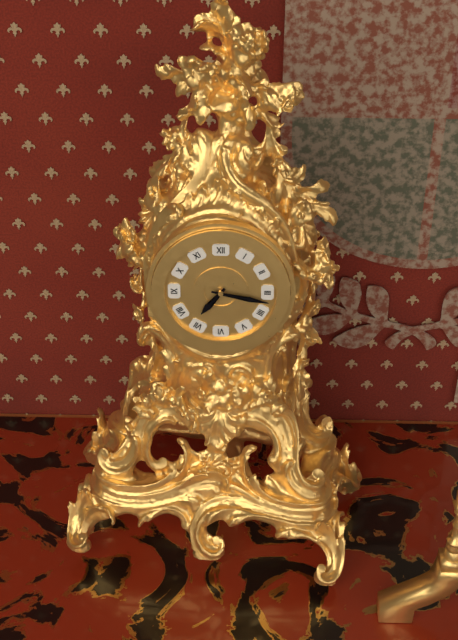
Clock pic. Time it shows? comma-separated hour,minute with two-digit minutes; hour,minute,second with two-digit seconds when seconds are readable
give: 7,17
